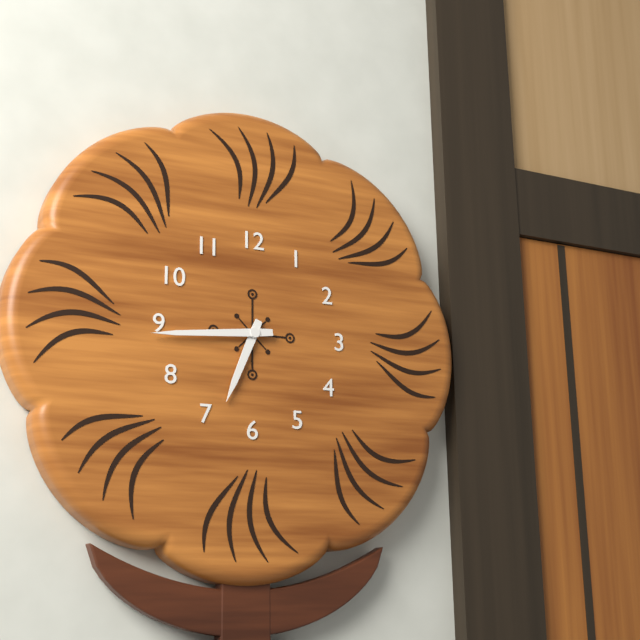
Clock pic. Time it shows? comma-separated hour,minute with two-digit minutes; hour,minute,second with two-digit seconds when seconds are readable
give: 6,44
